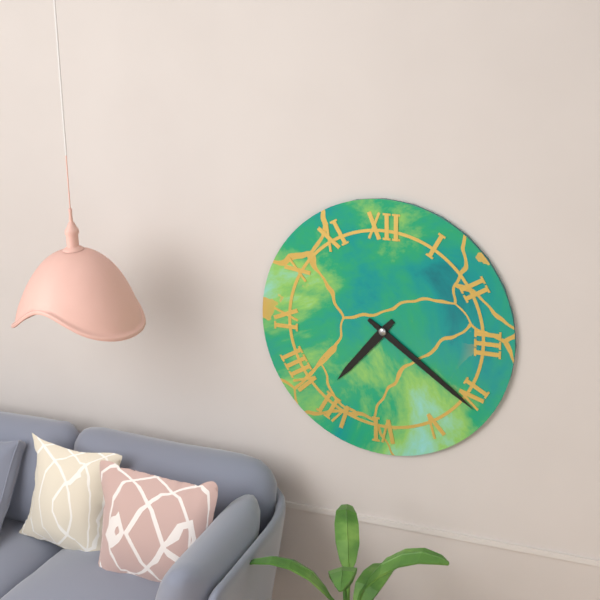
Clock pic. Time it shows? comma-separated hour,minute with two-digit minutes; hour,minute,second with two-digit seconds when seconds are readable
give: 7,21
